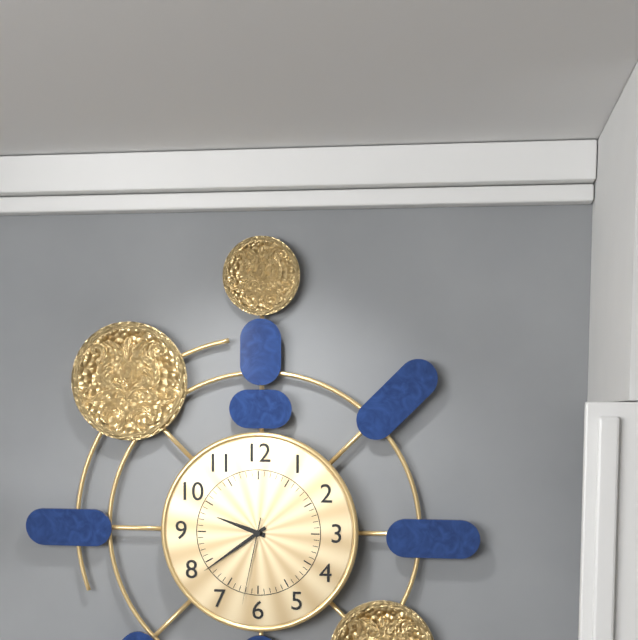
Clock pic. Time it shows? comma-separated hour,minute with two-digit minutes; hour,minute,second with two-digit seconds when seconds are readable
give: 9,39,32
